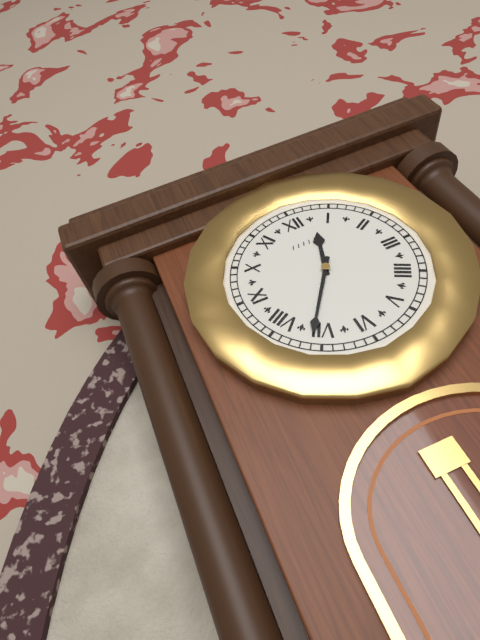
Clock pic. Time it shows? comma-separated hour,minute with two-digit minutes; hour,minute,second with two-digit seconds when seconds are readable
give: 12,36
